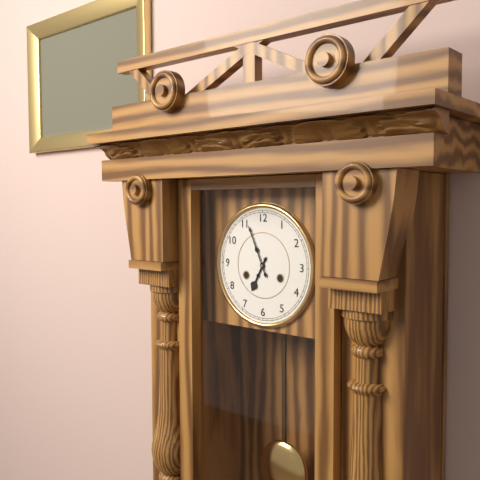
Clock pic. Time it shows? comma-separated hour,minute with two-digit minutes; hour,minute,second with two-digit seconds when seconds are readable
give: 6,56
